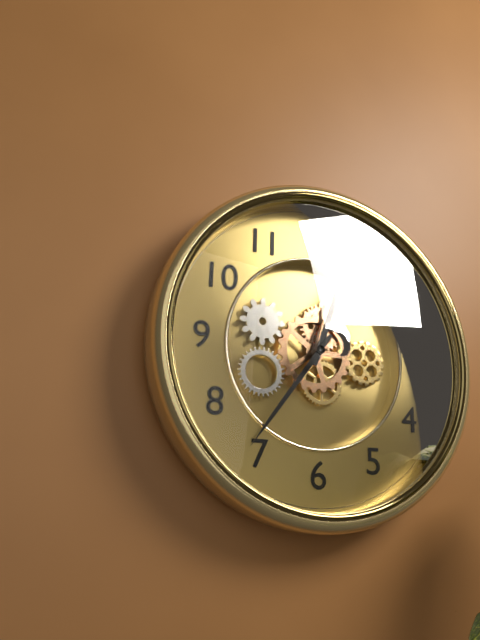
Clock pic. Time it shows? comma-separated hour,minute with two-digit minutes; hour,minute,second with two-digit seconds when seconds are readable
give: 12,36
